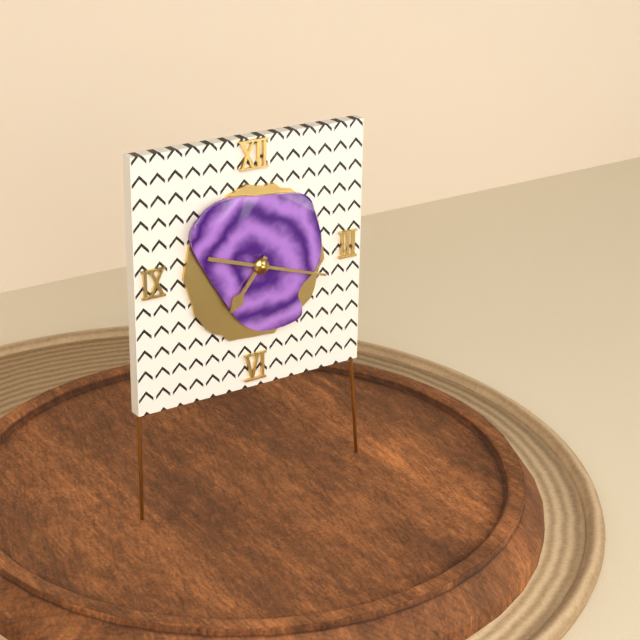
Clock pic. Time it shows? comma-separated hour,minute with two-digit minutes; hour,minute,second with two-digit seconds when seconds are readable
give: 7,18
